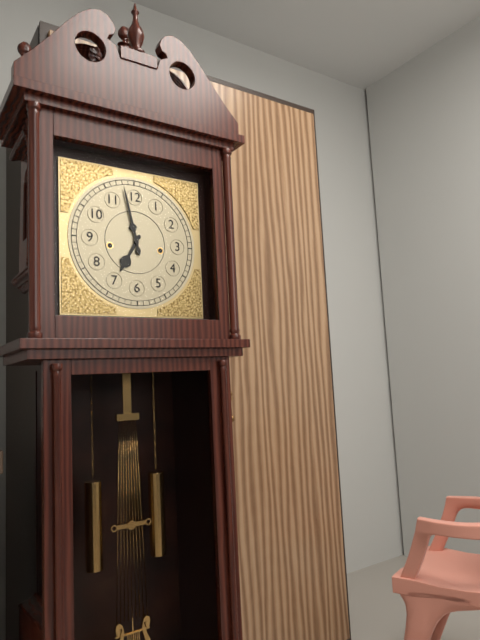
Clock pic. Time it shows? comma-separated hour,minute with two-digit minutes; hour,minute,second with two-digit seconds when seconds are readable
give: 6,58
